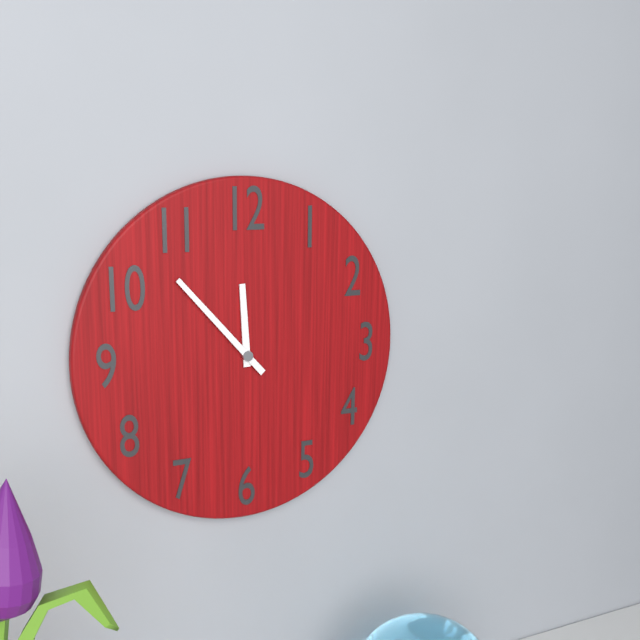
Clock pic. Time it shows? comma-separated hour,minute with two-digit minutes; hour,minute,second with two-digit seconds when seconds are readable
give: 11,53
